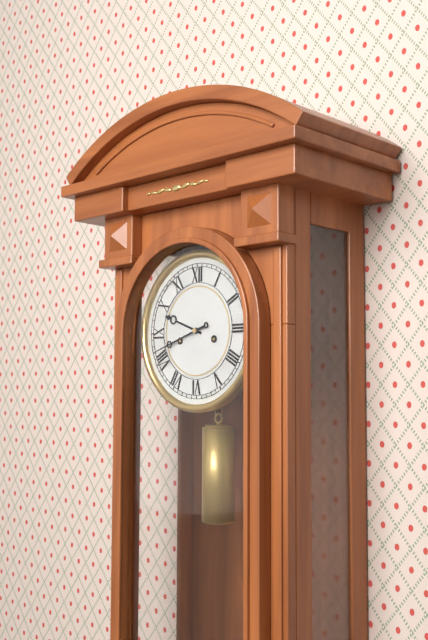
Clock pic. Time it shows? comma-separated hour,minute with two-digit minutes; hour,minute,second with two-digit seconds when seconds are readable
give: 9,42
